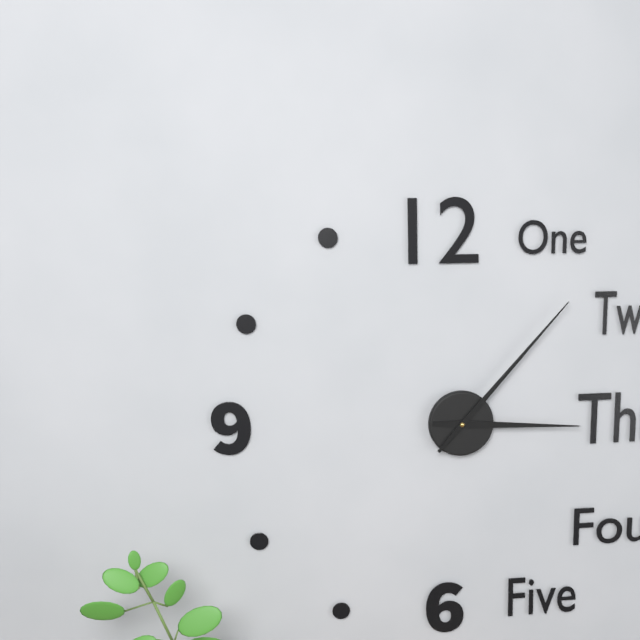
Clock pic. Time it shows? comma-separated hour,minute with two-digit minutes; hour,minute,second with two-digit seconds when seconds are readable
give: 3,07
